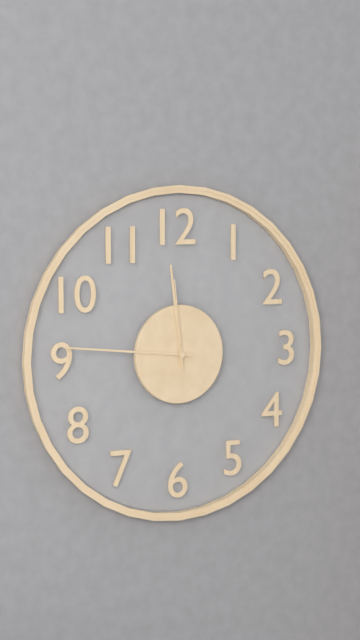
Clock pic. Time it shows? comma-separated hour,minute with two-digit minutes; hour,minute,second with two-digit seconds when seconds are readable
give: 11,46,59
